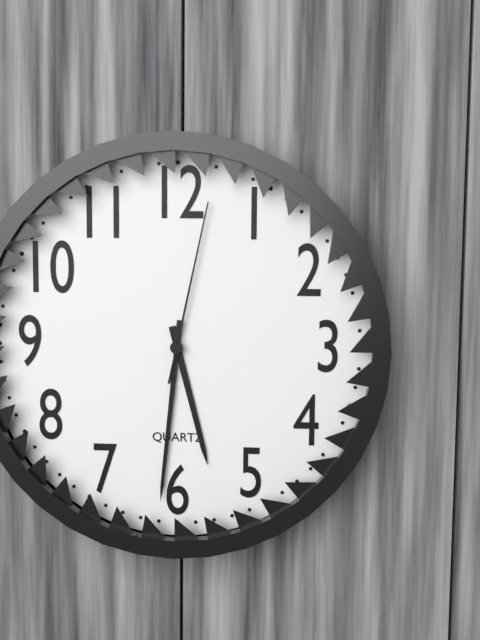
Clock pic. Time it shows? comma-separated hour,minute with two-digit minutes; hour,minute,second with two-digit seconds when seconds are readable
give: 5,31,02
